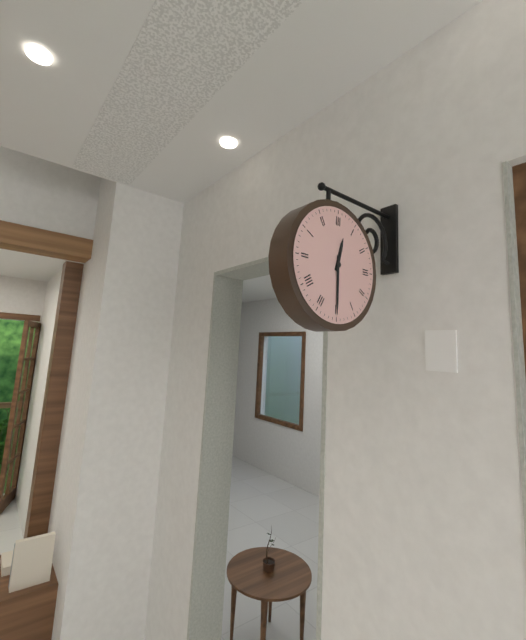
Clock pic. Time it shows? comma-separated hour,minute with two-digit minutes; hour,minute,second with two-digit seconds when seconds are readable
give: 12,30
